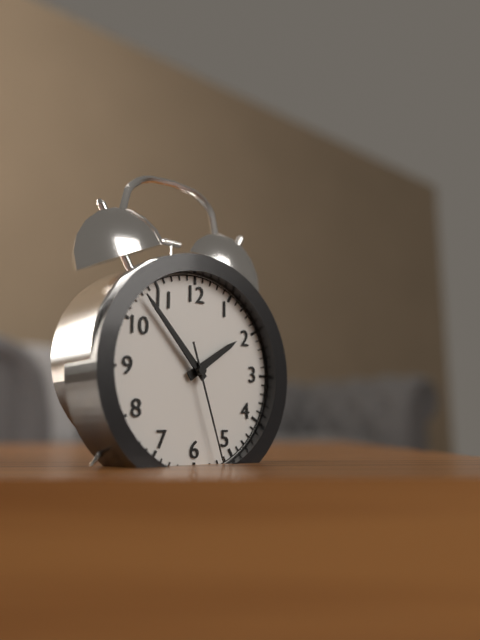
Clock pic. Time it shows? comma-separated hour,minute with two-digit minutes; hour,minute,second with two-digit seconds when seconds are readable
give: 1,53,27
